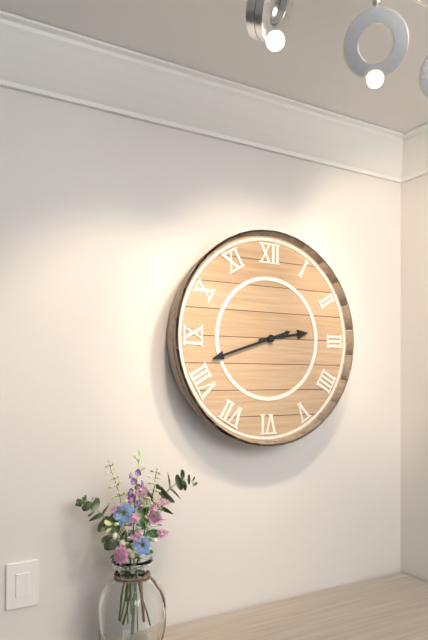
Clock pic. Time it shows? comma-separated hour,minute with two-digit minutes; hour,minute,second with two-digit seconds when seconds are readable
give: 2,42
